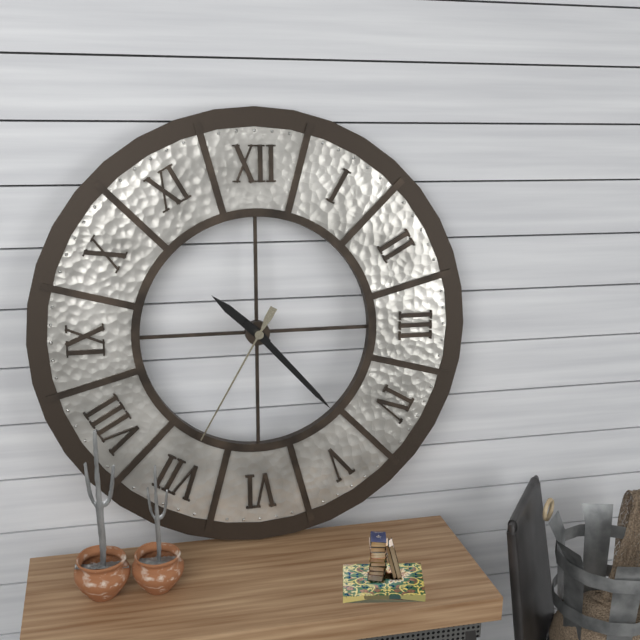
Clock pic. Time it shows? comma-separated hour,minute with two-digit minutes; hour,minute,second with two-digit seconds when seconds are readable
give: 10,23,35
